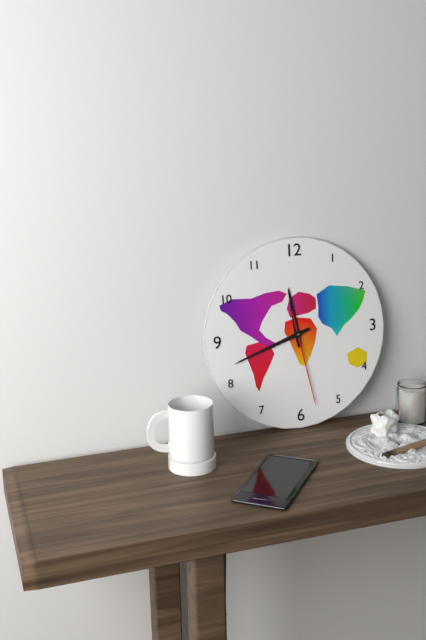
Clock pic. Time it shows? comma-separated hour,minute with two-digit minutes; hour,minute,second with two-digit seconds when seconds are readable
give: 11,42,28
